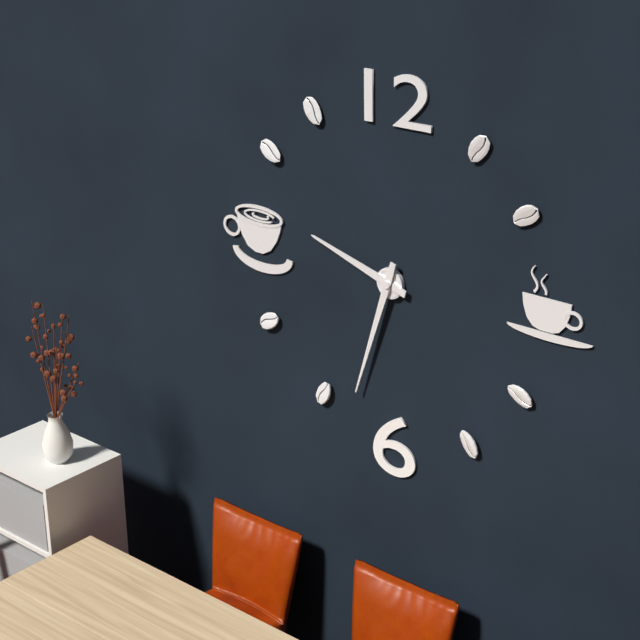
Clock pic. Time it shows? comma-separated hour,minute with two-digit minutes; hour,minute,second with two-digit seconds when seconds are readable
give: 9,33
